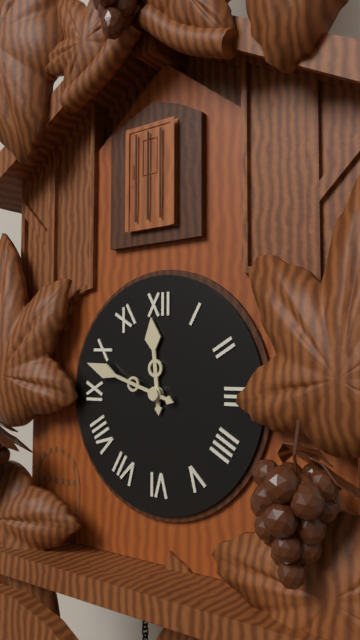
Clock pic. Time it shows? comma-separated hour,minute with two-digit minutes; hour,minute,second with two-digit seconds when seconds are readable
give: 11,48
